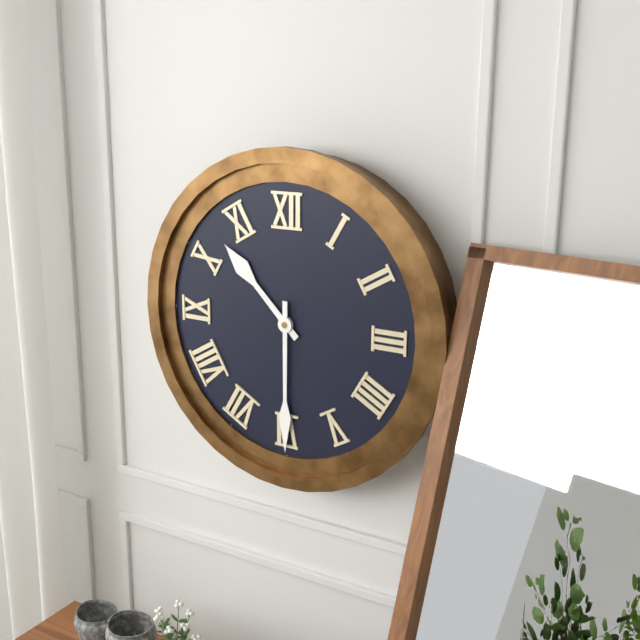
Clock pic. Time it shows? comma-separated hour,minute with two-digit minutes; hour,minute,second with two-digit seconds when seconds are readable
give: 10,30
